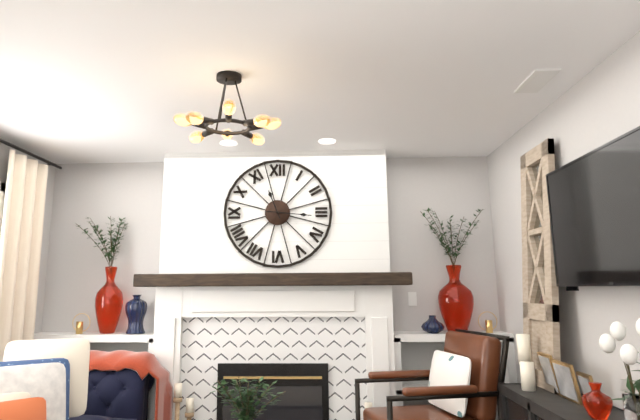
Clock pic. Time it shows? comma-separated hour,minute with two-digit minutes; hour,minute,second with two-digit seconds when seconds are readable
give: 11,16
